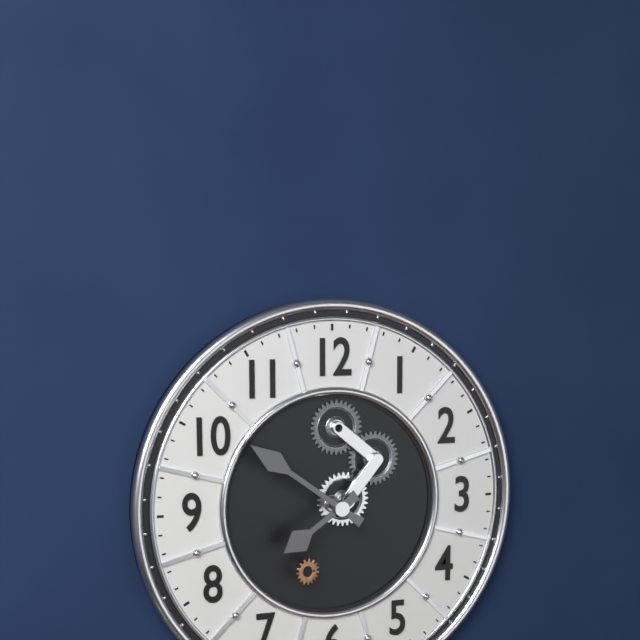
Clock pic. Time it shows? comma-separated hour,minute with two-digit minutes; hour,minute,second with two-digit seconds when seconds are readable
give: 7,51
